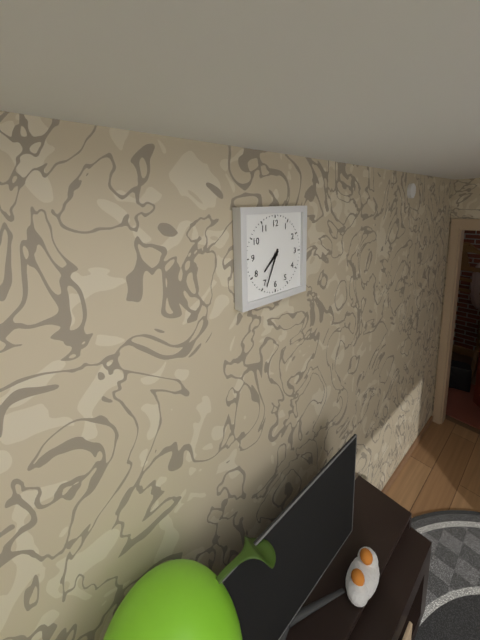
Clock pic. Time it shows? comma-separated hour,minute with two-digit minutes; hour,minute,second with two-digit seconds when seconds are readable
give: 7,34
